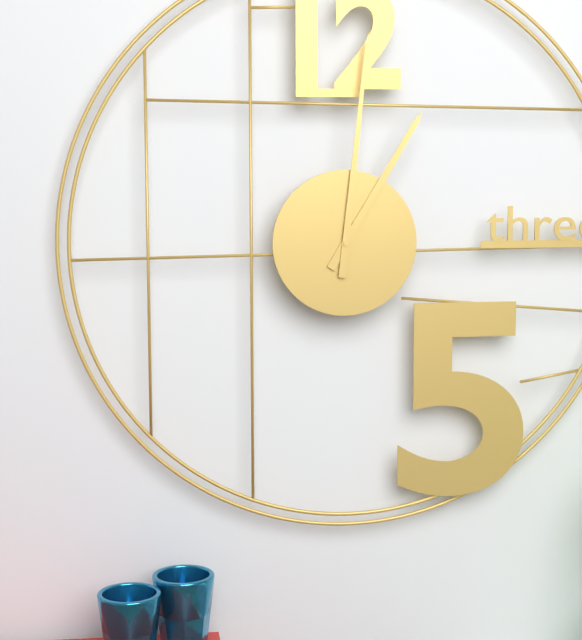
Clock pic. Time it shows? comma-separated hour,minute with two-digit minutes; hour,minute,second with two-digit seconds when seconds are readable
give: 1,01
